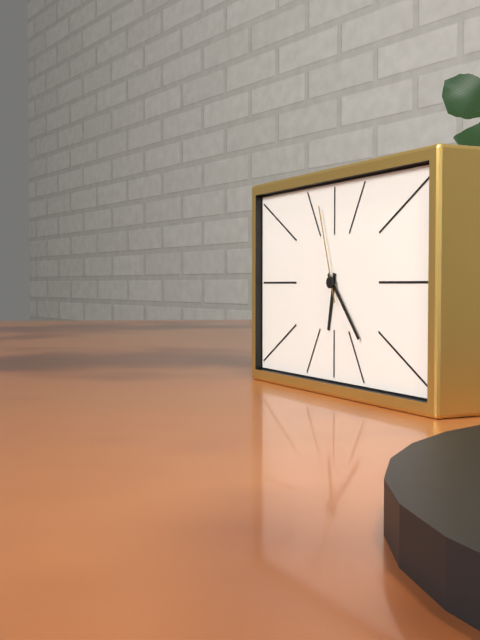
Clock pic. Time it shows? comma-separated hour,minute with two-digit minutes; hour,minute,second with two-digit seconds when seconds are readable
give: 6,23,57
